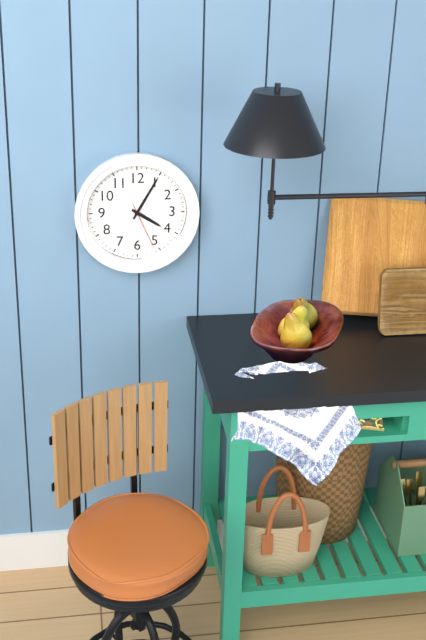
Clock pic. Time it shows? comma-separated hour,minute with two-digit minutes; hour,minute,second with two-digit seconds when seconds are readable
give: 4,05,26
